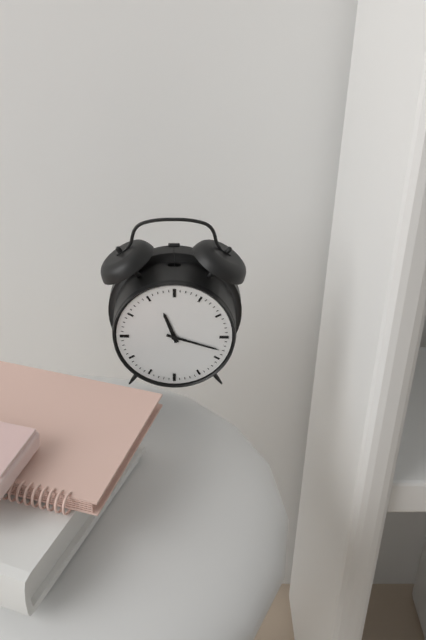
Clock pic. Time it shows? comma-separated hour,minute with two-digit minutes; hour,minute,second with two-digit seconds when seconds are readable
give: 11,18
